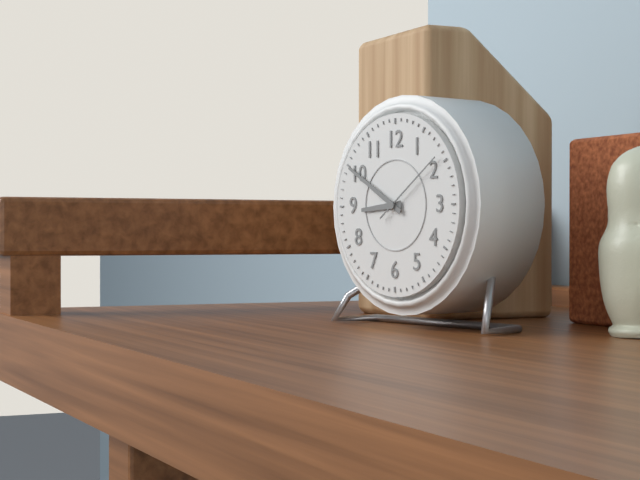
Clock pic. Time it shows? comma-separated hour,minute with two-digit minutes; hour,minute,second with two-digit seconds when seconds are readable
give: 8,50,09
